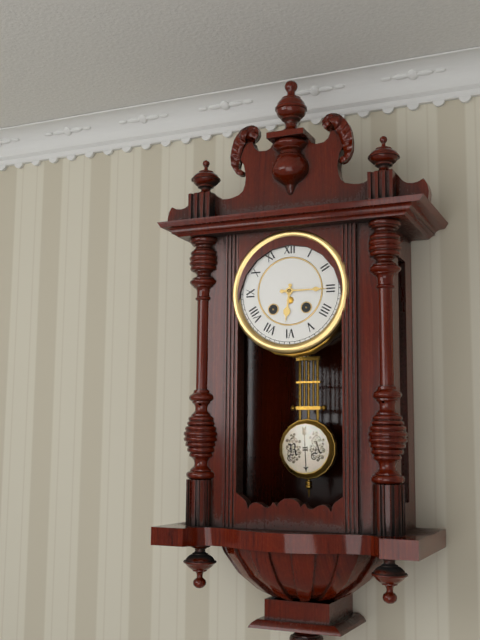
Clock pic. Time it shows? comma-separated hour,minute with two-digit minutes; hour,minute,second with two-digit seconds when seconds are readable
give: 6,15
